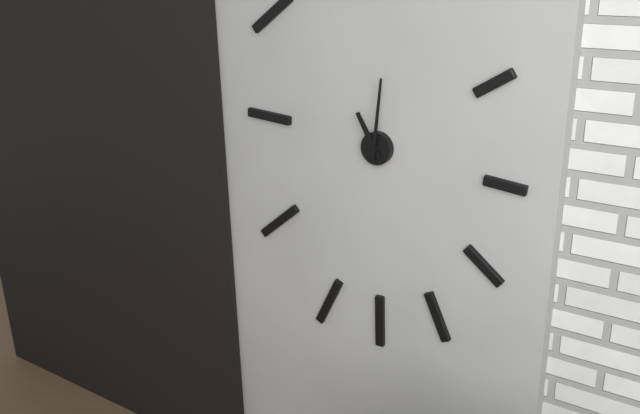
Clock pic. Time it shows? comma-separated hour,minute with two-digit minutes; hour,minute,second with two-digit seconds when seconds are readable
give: 11,01
